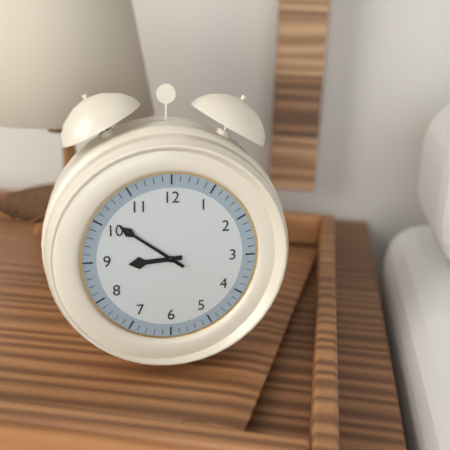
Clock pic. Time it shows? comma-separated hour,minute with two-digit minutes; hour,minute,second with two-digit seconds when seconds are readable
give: 8,51
